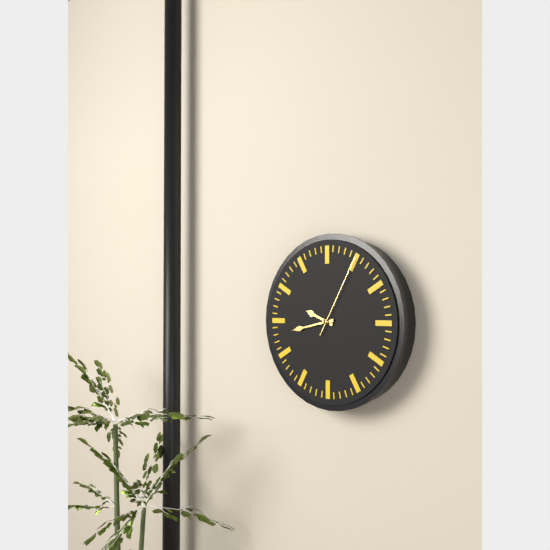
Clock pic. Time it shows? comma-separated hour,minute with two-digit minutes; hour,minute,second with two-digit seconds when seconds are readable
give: 9,43,05
